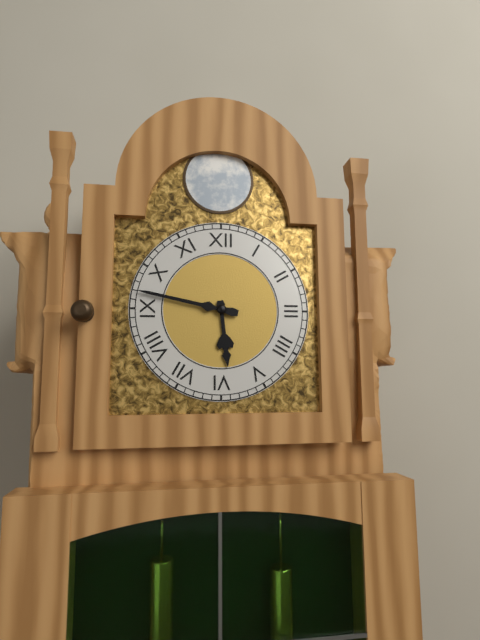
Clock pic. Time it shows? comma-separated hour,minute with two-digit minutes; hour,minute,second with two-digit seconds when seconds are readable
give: 5,47
